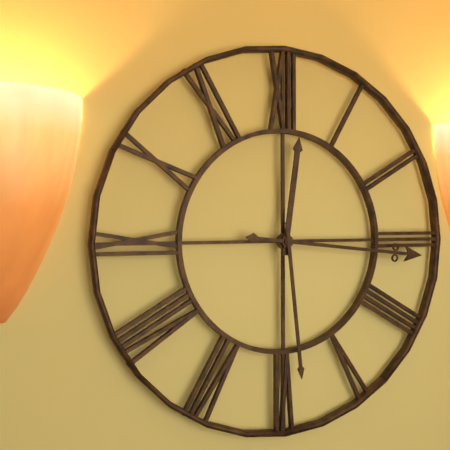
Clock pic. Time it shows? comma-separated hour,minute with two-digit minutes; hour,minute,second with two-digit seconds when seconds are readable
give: 12,16,29
